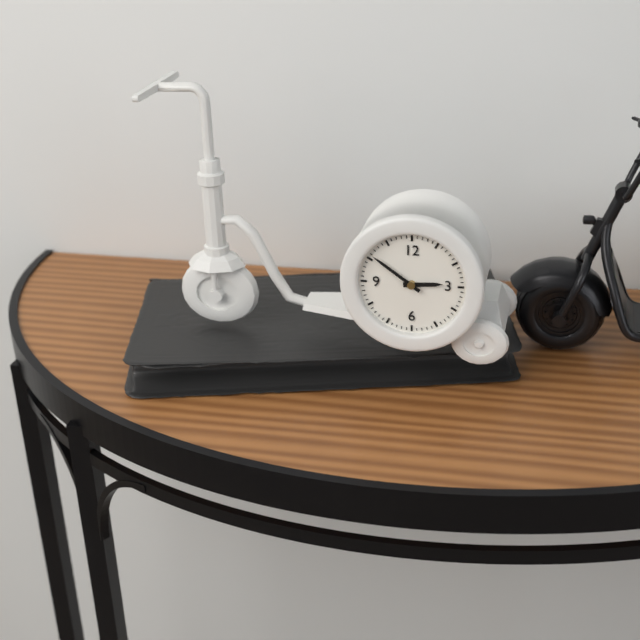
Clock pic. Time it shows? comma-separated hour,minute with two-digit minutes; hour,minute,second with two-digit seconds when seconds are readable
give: 2,51
